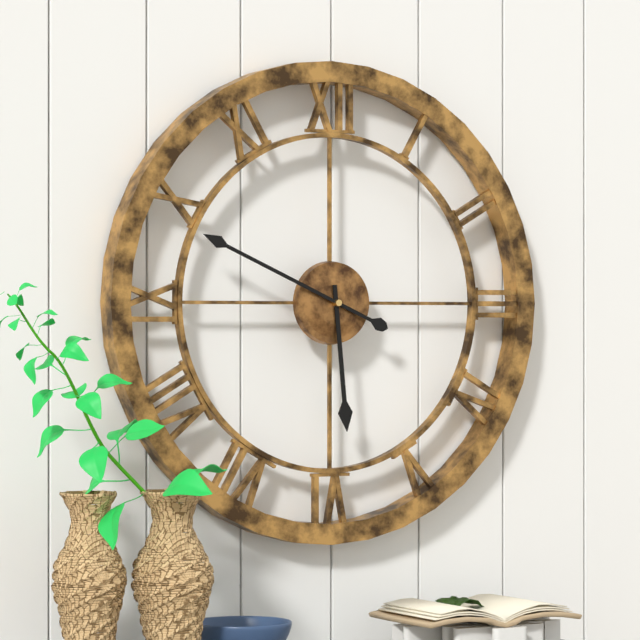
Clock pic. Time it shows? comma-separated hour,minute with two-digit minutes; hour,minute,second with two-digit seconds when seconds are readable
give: 5,49
